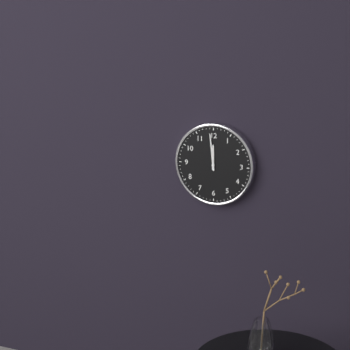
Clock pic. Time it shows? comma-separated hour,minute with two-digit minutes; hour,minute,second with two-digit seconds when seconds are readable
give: 11,59
